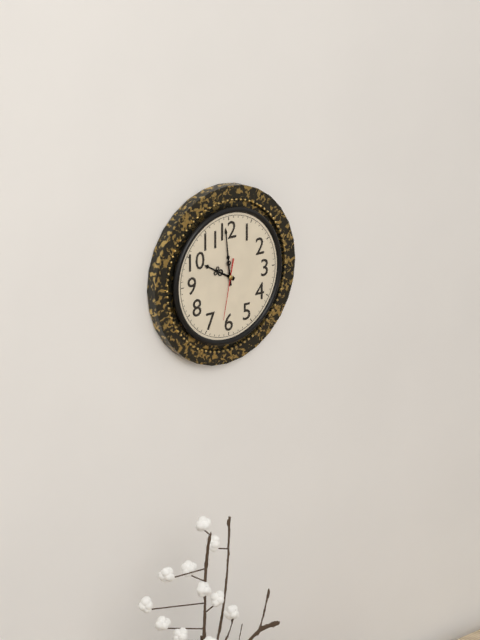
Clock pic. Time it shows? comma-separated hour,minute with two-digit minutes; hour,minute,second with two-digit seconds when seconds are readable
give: 9,59,32
